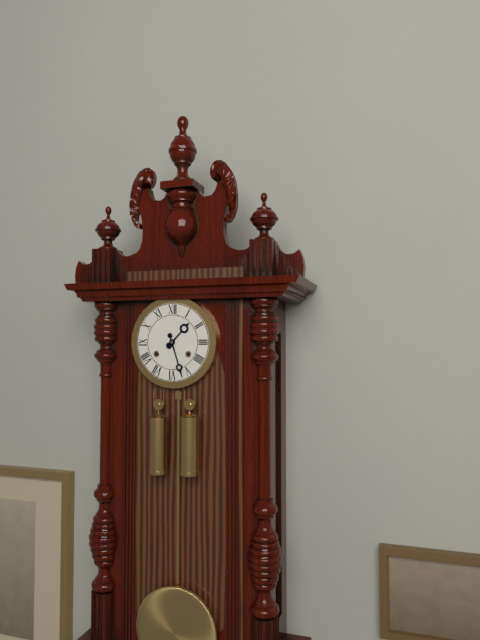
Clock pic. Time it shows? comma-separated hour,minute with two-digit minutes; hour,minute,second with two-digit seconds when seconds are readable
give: 1,27
